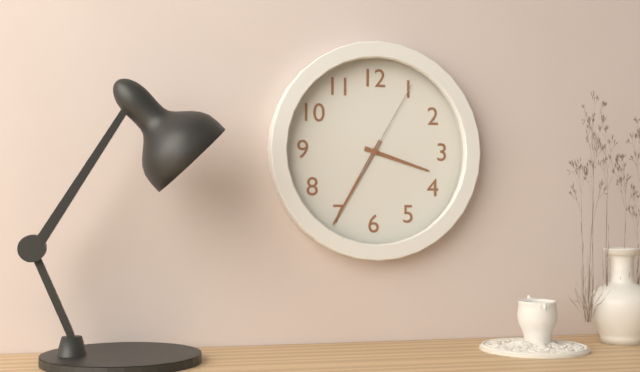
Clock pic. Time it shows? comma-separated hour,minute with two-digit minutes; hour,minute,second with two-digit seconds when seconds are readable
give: 3,35,05
